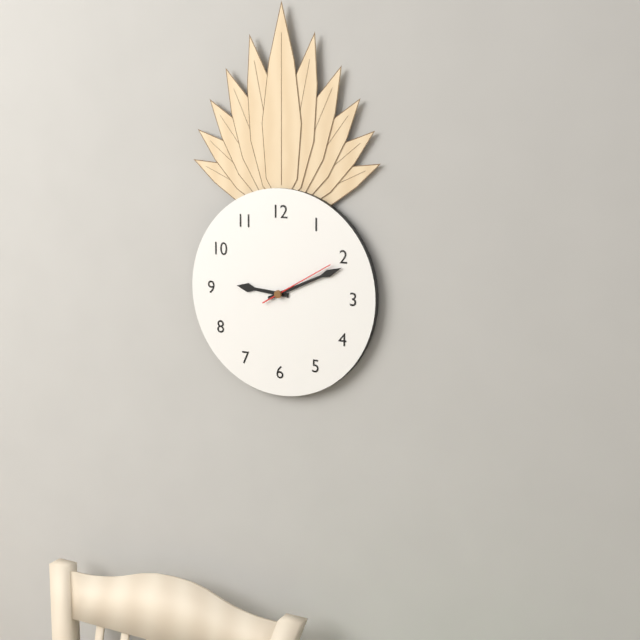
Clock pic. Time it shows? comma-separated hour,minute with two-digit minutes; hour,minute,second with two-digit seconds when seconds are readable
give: 9,11,10
